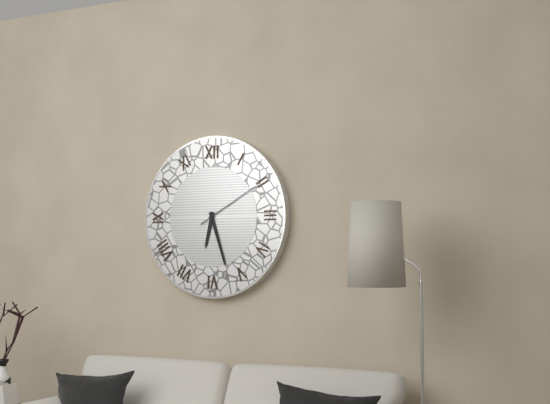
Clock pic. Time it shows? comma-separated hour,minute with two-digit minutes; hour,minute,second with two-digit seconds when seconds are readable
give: 6,27,10
